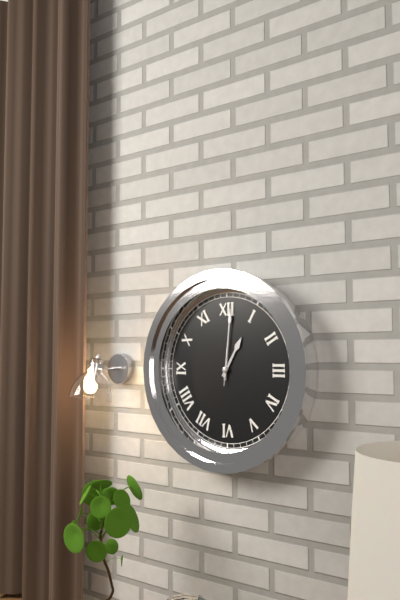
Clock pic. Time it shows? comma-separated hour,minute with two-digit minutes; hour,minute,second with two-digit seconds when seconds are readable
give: 1,01,01
